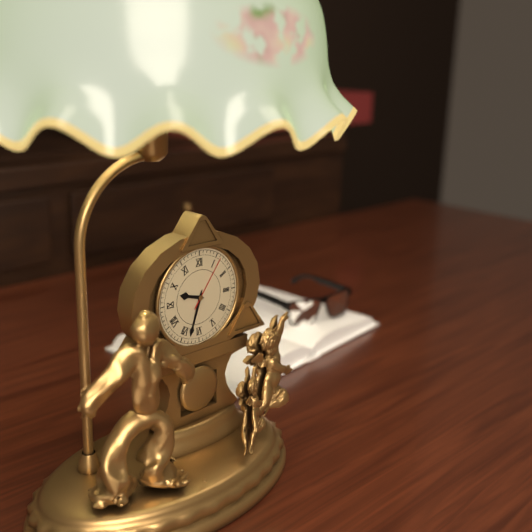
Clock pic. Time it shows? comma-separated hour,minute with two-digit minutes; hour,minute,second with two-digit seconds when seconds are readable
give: 9,33,06
